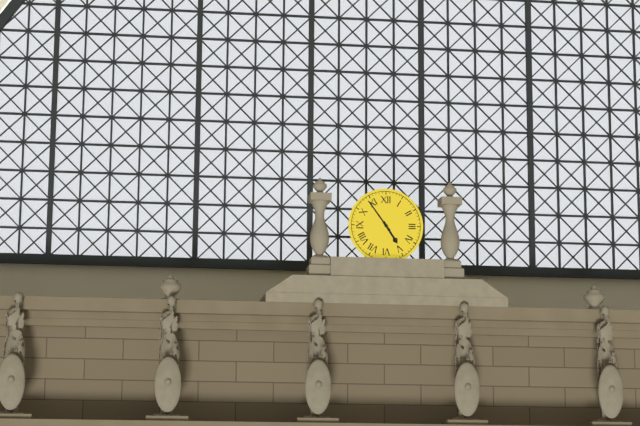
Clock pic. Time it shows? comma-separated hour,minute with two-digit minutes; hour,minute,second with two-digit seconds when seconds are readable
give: 4,54
